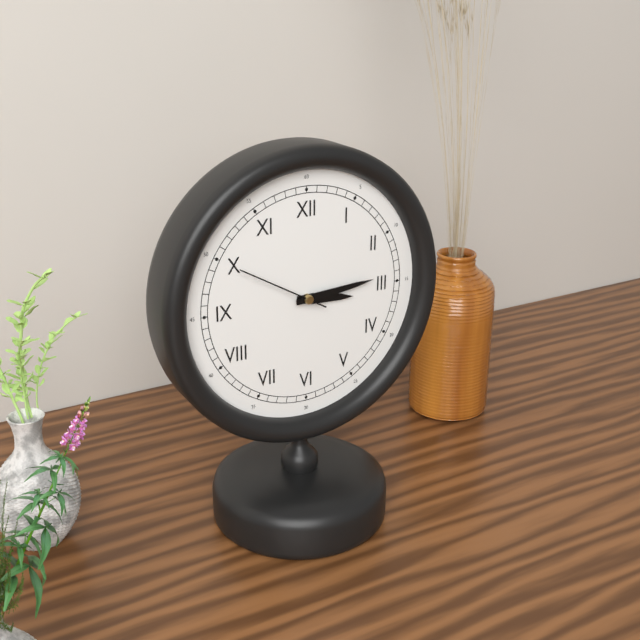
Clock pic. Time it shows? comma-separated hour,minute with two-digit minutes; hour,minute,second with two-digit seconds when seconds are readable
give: 3,14,50
